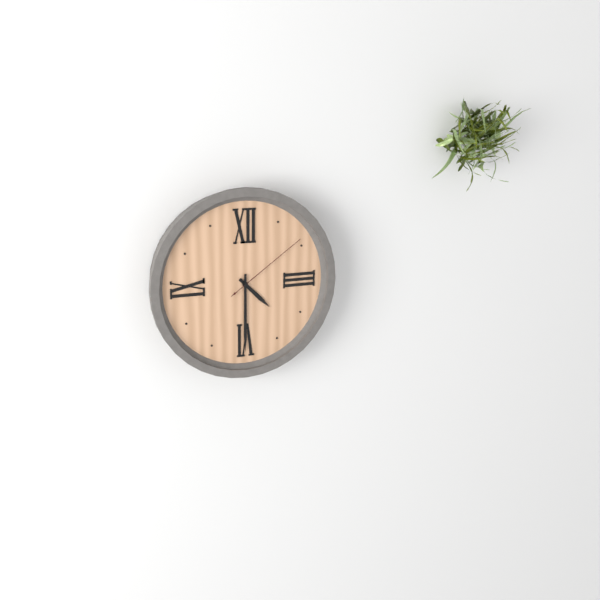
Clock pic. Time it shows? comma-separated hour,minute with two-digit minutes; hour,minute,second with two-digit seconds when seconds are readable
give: 4,30,09
